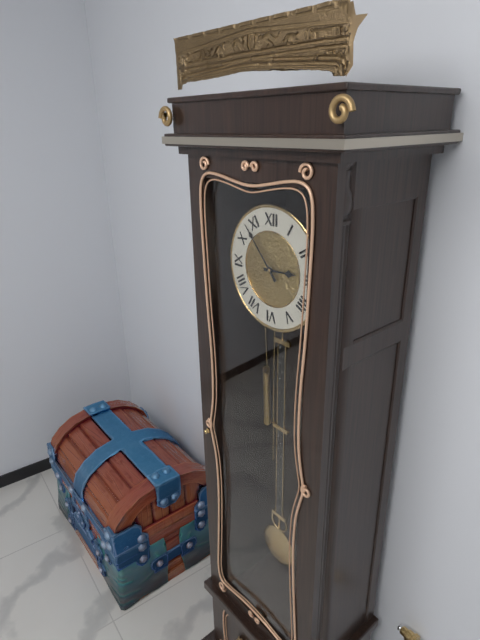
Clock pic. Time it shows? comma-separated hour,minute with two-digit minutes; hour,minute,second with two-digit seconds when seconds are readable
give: 2,53
